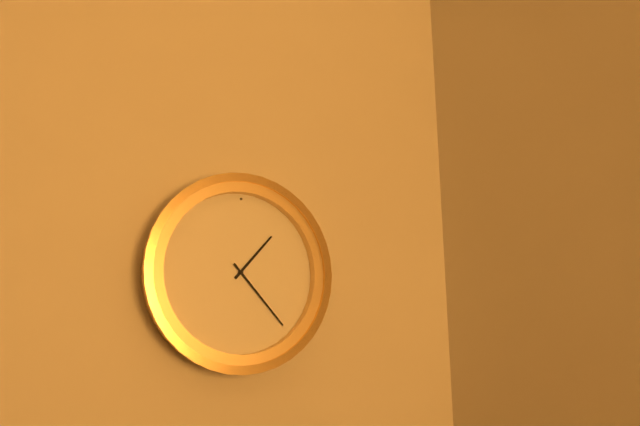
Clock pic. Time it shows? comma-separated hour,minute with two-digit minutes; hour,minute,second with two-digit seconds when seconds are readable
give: 1,23
